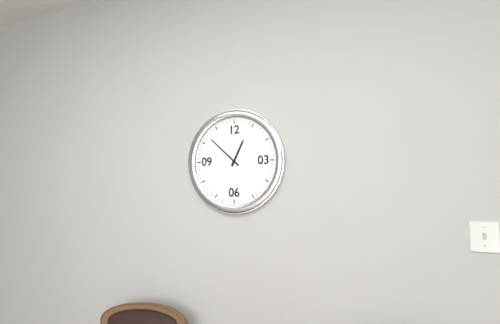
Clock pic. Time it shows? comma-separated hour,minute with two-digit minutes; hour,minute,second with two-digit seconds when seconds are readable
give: 12,52
